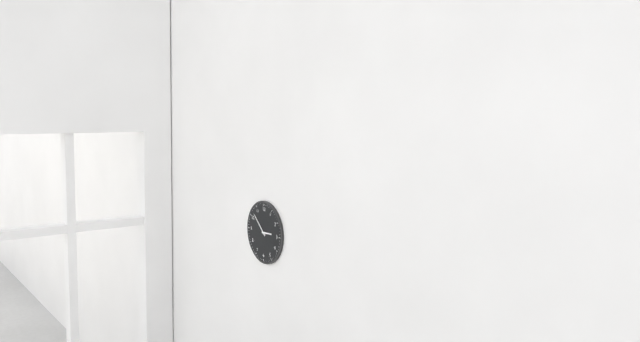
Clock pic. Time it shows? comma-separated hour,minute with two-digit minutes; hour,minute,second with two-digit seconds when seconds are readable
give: 2,52
